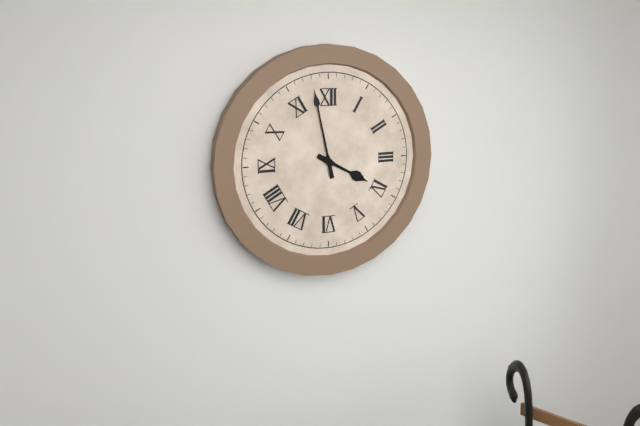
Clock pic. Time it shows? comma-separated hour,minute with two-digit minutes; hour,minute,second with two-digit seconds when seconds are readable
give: 3,58
